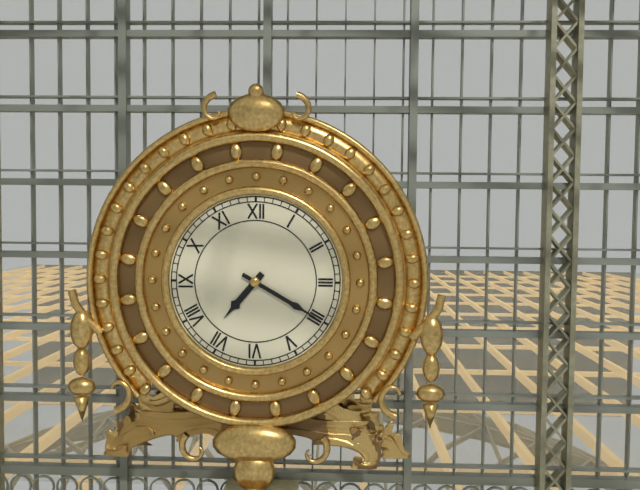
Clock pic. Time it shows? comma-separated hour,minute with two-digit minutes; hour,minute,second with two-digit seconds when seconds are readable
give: 7,20
